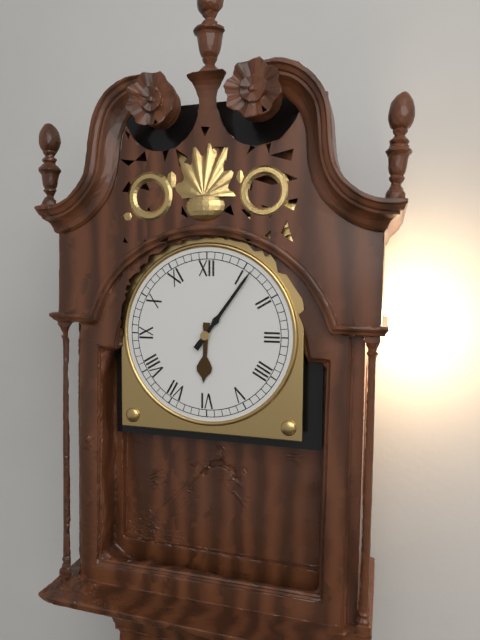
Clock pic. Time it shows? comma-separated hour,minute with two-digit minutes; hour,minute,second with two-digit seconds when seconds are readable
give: 6,06
